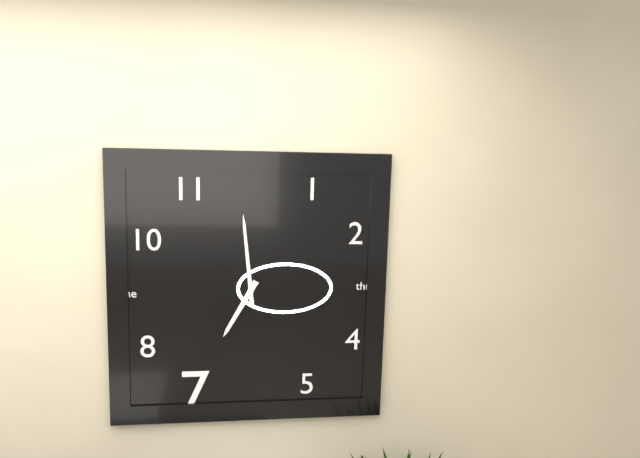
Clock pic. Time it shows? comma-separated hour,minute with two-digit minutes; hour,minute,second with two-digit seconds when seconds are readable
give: 6,59
